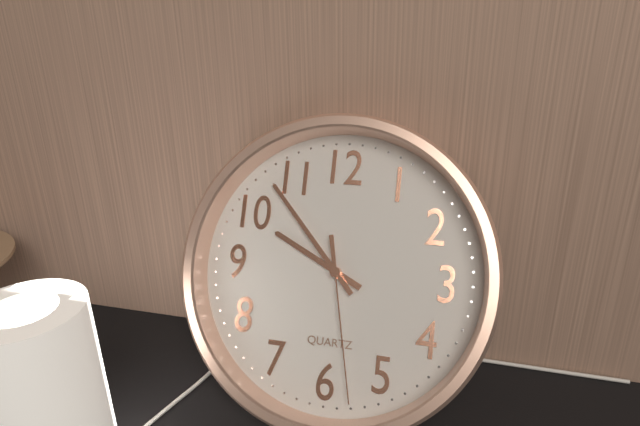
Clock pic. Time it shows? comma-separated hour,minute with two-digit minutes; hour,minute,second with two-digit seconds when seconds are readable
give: 9,53,28
